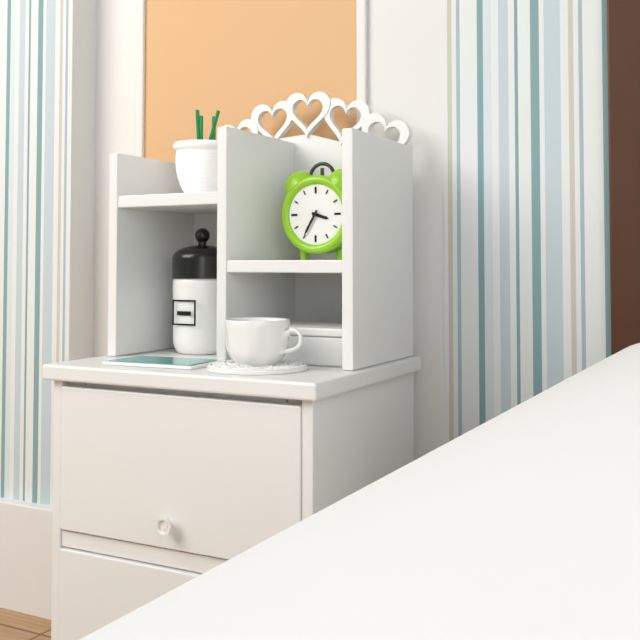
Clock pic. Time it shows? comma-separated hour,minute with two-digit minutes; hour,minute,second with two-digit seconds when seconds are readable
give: 3,35
